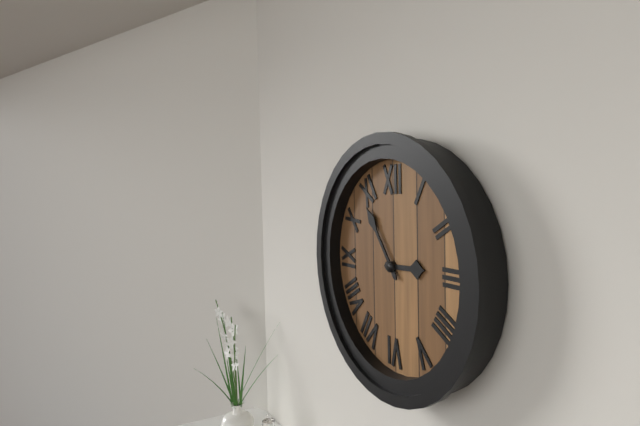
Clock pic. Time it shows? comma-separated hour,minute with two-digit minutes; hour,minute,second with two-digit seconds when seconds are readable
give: 2,54
